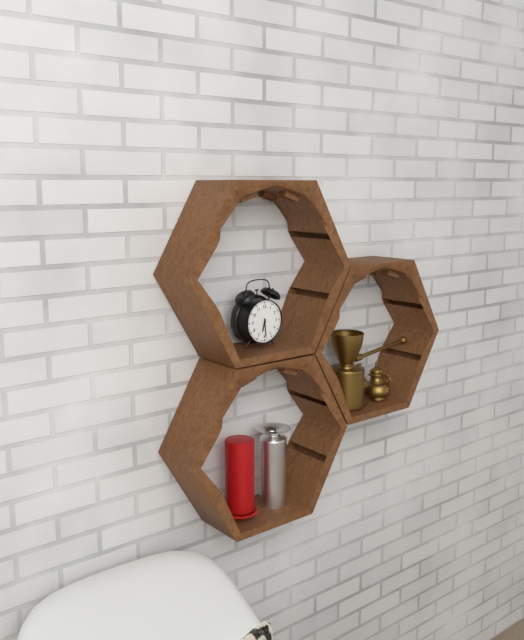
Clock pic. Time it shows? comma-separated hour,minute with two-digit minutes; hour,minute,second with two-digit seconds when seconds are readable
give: 6,29
